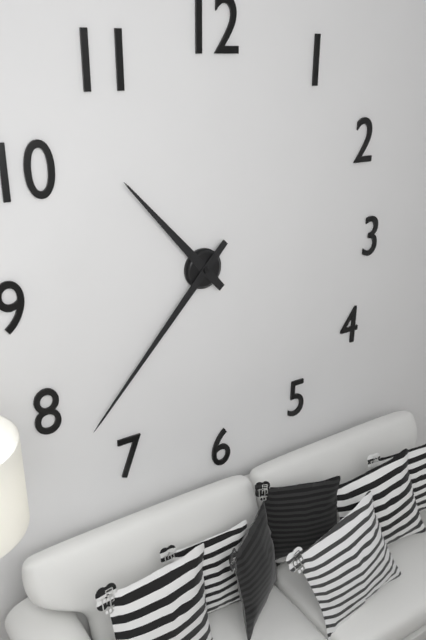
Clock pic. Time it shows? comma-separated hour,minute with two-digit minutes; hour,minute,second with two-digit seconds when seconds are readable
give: 10,37
